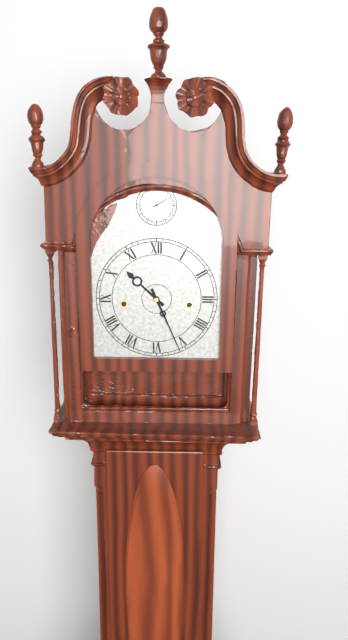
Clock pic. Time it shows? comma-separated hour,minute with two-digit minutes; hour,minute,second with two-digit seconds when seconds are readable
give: 10,26
